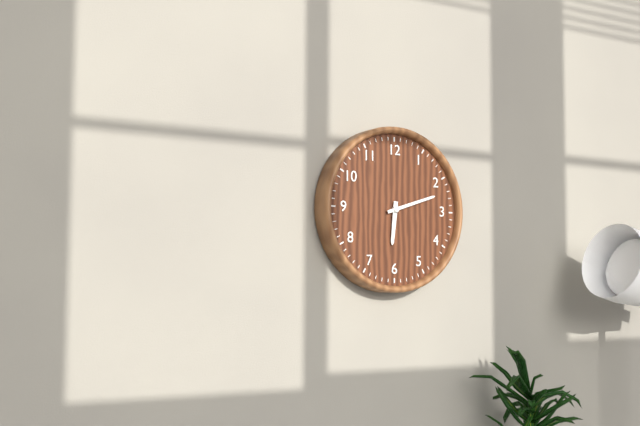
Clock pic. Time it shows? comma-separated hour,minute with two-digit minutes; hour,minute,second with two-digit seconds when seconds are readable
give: 6,12
